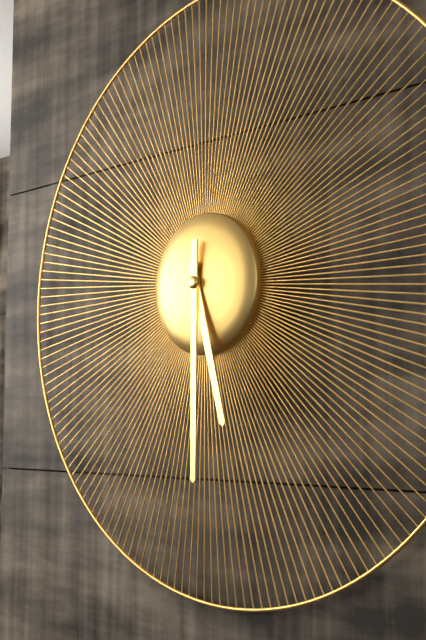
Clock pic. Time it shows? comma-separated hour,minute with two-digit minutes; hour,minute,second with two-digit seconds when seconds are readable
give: 5,30
